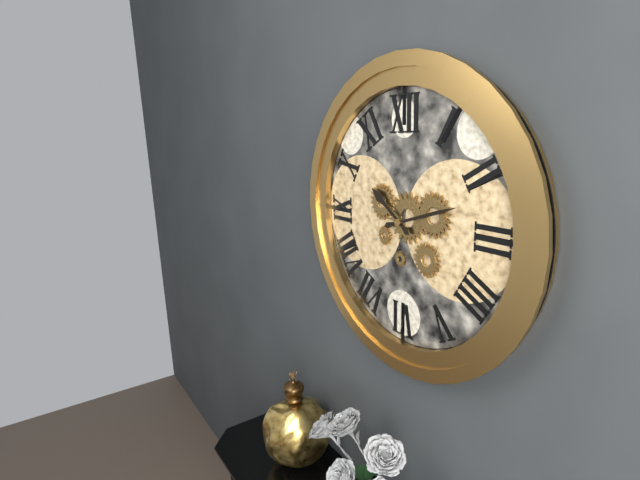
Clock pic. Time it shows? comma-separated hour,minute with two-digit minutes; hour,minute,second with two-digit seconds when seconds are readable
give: 10,12
